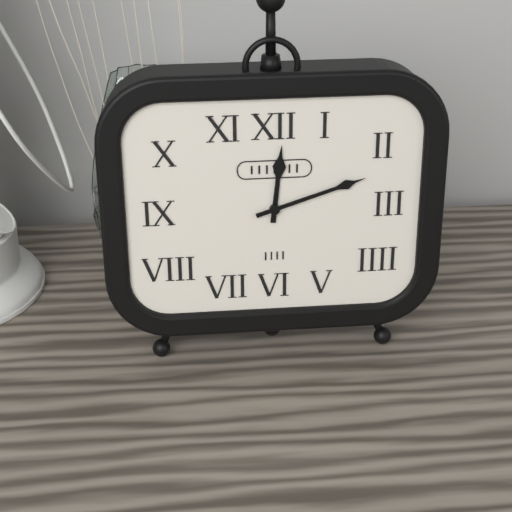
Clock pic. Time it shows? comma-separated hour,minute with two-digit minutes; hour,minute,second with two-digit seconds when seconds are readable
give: 12,12
